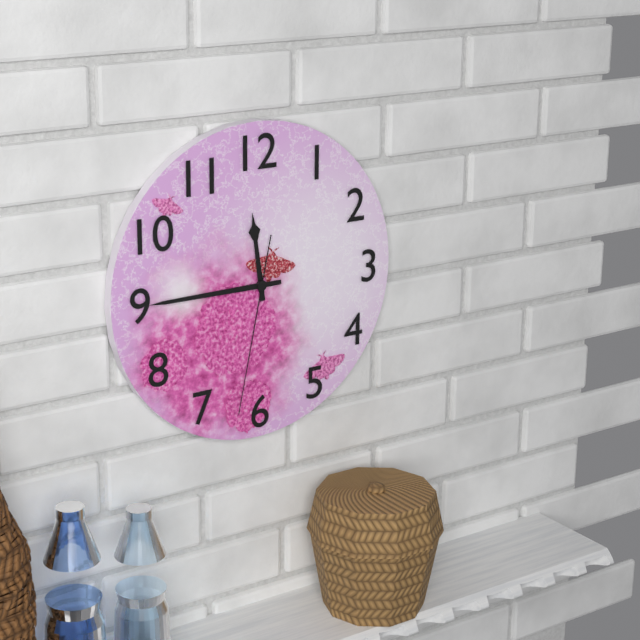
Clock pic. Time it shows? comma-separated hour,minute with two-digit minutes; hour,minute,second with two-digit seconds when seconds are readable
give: 11,45,32
